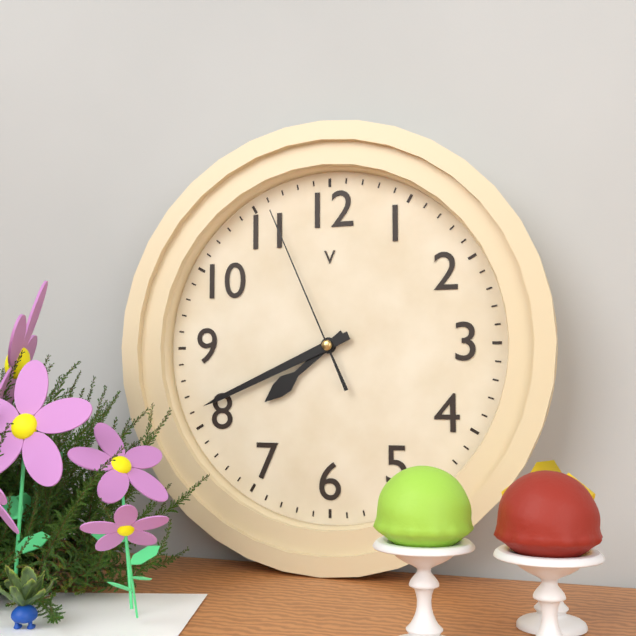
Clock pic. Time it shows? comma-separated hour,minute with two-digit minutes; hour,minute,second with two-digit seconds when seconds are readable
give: 7,41,56
